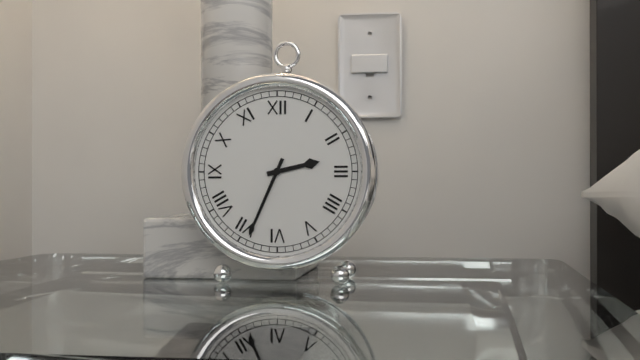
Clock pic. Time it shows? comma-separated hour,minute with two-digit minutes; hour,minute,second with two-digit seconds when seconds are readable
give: 2,34
